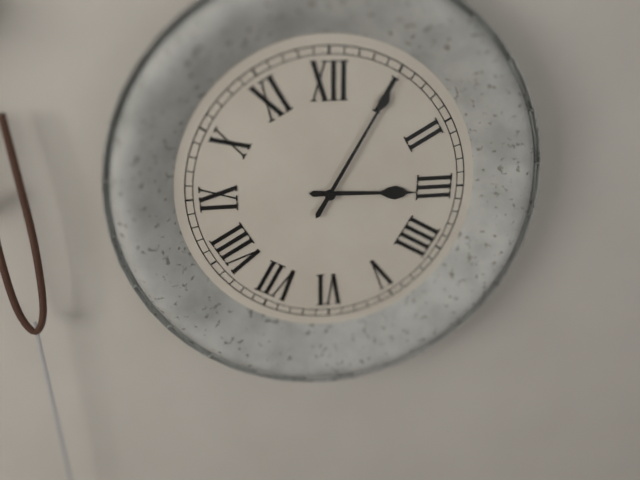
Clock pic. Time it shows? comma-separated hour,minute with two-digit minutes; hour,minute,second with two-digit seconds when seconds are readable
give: 3,05
